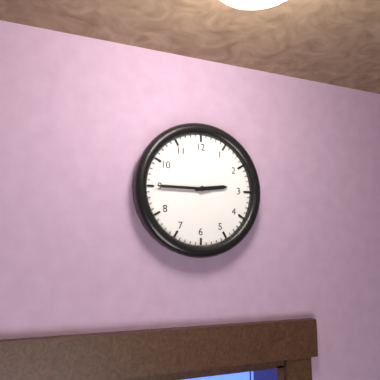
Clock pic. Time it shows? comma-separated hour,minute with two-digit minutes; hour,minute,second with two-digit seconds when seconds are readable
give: 2,45
